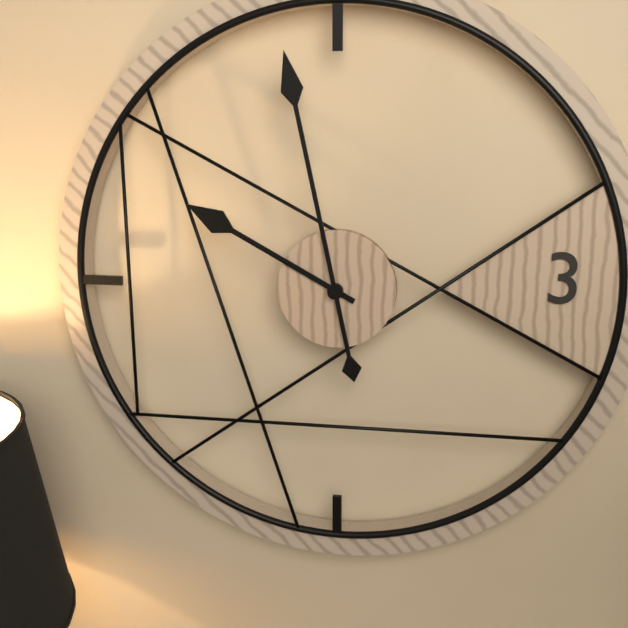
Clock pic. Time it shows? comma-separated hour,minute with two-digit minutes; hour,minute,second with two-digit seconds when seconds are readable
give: 9,58
